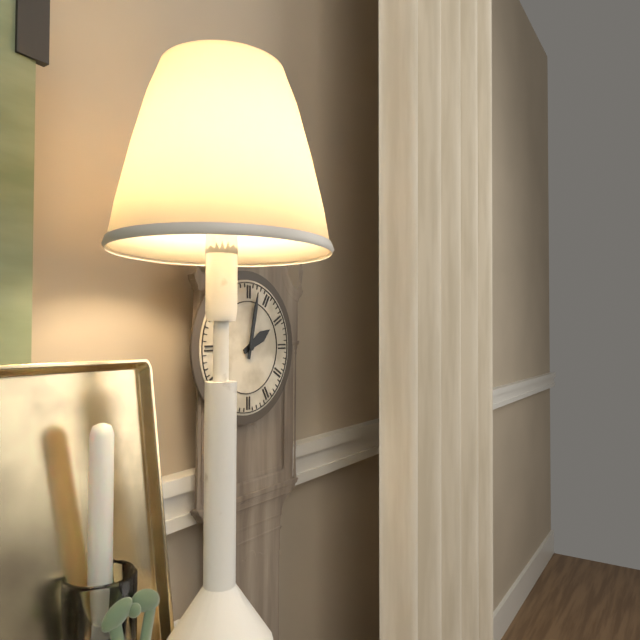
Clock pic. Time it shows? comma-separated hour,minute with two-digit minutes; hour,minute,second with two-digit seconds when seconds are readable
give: 2,02
